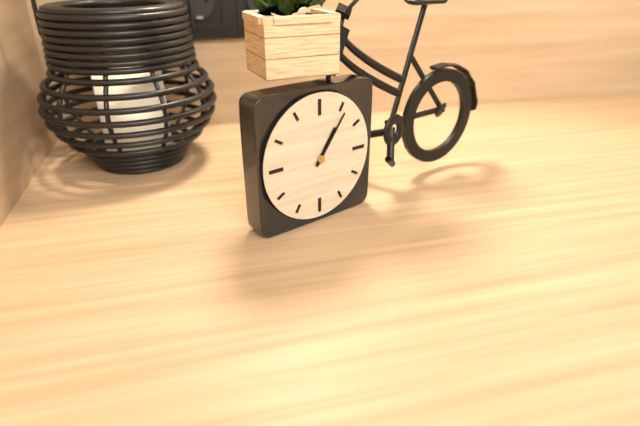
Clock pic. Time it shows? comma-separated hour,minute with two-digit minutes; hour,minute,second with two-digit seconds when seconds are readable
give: 1,06
